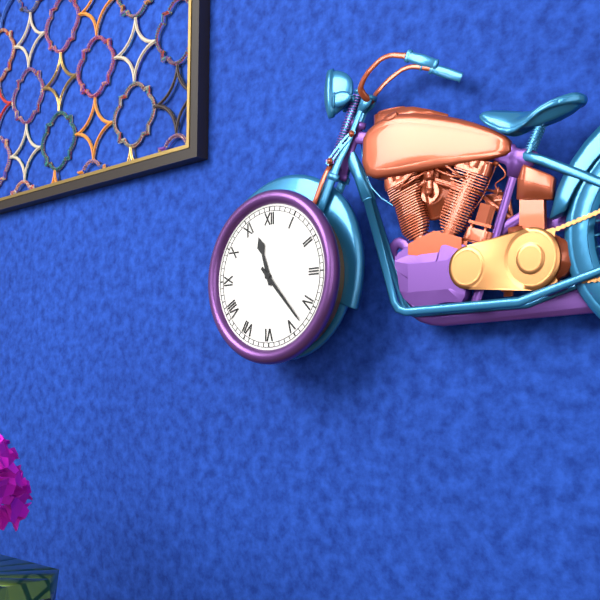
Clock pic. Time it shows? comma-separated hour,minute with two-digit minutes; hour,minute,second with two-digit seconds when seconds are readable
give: 11,23
